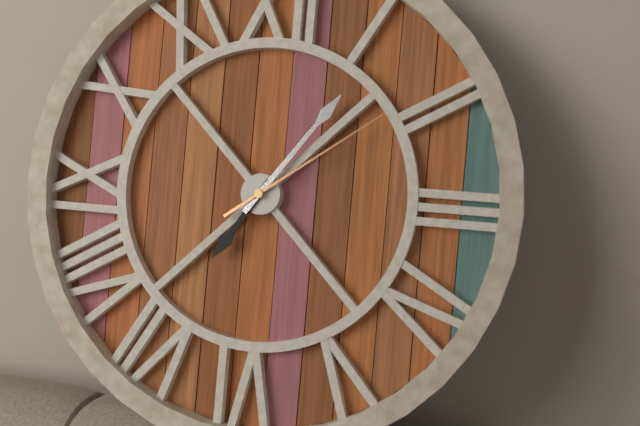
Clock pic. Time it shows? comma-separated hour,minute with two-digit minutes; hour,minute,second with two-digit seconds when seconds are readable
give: 7,06,09
